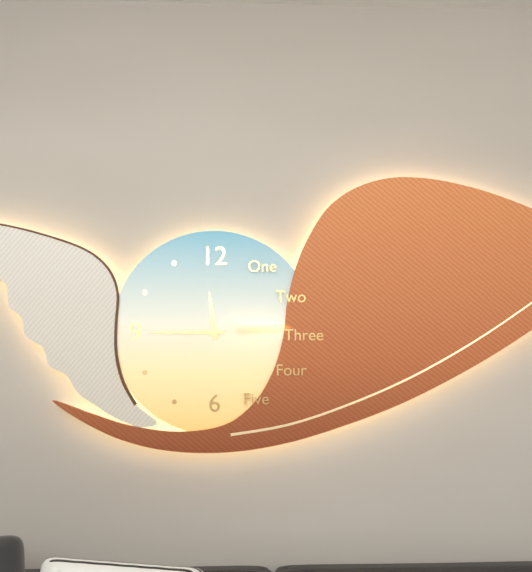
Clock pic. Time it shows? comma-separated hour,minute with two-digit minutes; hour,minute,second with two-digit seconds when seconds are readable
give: 11,45
